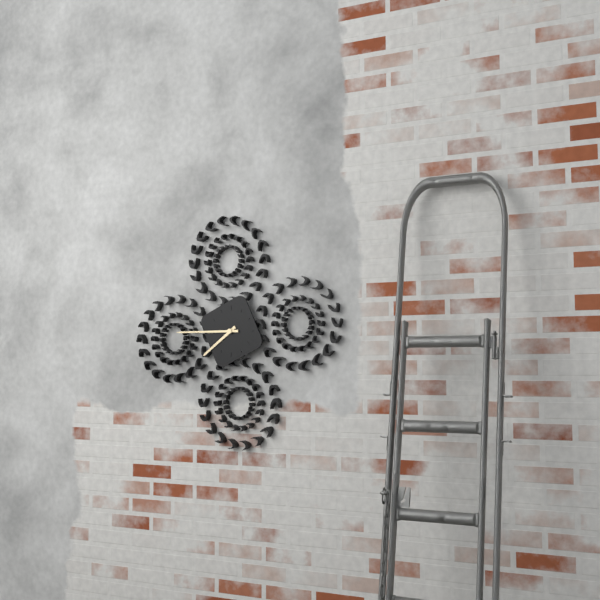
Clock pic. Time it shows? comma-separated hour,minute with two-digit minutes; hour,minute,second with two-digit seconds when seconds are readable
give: 7,45
